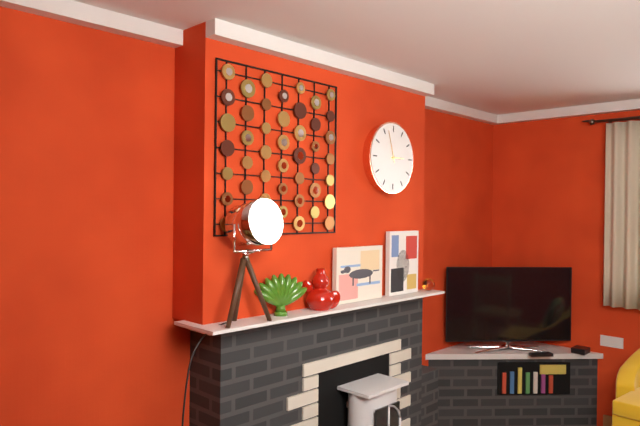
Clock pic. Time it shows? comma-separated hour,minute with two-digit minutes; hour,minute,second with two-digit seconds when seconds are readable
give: 2,57
